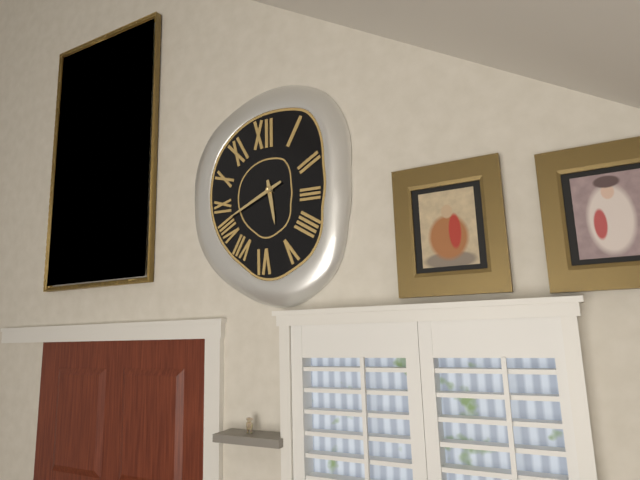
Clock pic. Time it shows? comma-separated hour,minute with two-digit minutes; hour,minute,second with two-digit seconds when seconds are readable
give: 5,41
